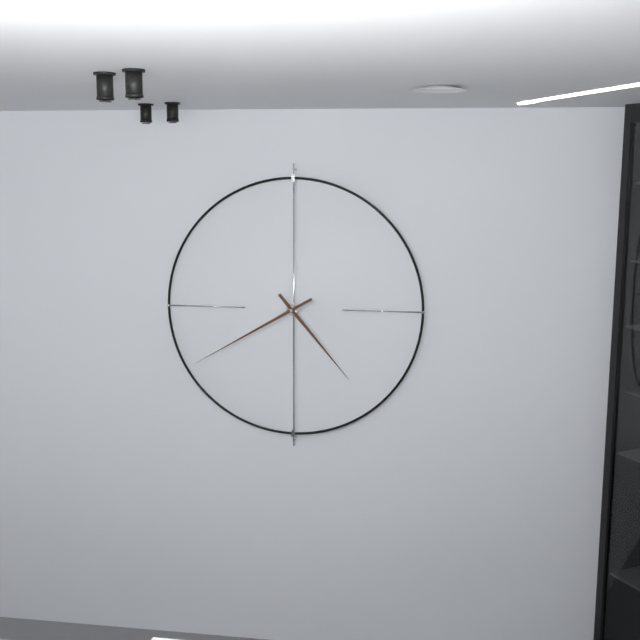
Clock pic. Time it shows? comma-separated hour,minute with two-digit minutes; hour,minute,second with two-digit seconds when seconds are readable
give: 4,40
